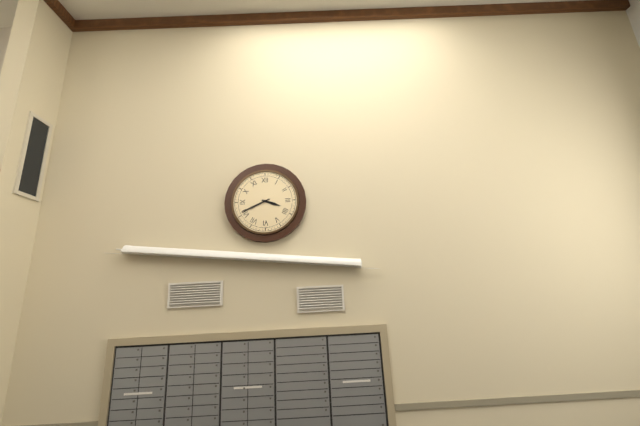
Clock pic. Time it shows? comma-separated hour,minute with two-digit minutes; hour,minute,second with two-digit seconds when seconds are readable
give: 3,41
